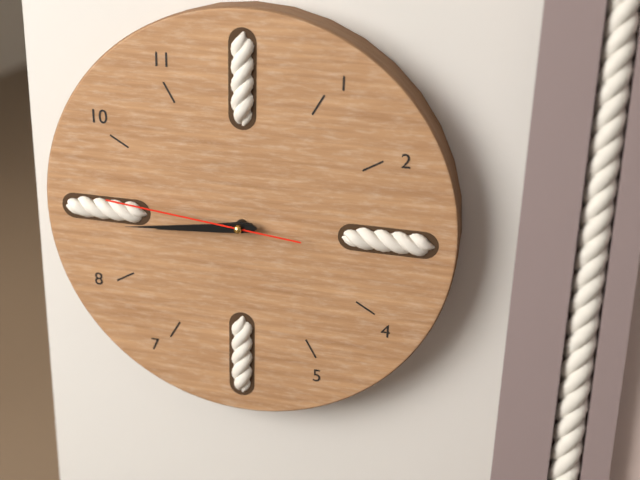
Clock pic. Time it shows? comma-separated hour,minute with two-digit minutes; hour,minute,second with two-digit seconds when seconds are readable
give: 8,44,46
